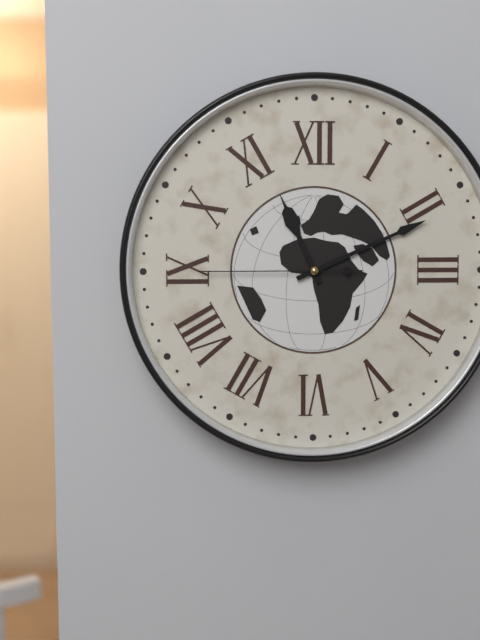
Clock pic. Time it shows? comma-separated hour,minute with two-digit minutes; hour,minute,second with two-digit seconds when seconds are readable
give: 11,11,45
